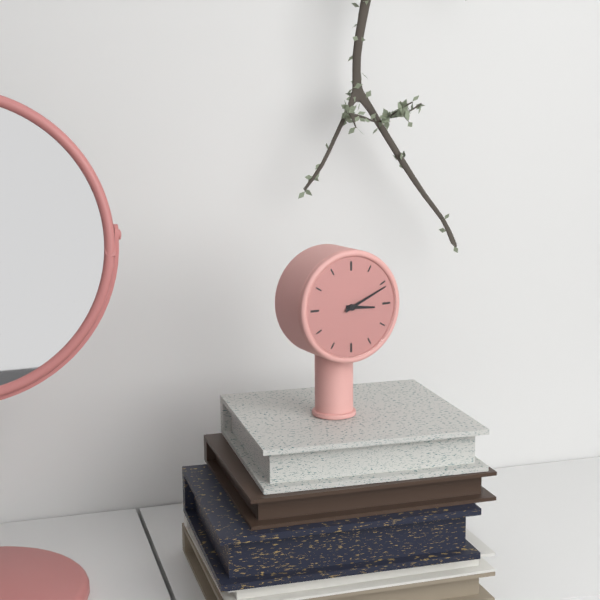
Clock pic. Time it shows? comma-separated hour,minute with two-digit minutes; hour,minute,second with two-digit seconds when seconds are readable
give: 3,11
